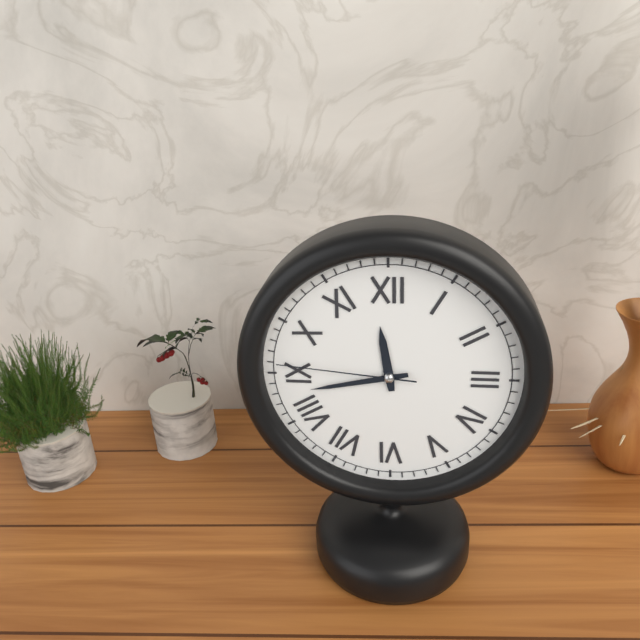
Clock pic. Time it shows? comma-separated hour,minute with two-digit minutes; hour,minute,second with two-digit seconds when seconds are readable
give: 11,43,46
